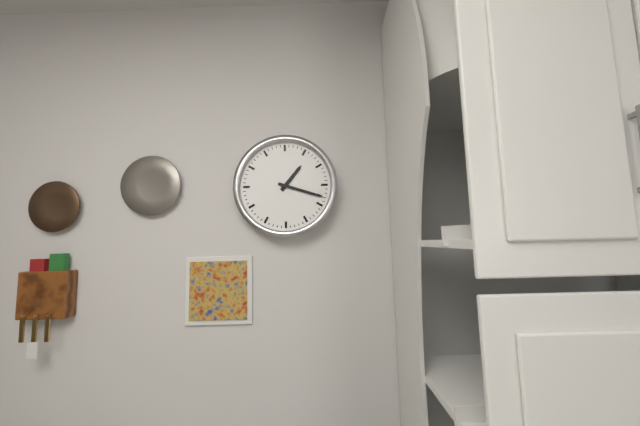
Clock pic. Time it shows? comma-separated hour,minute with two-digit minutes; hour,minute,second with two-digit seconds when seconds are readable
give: 1,18
